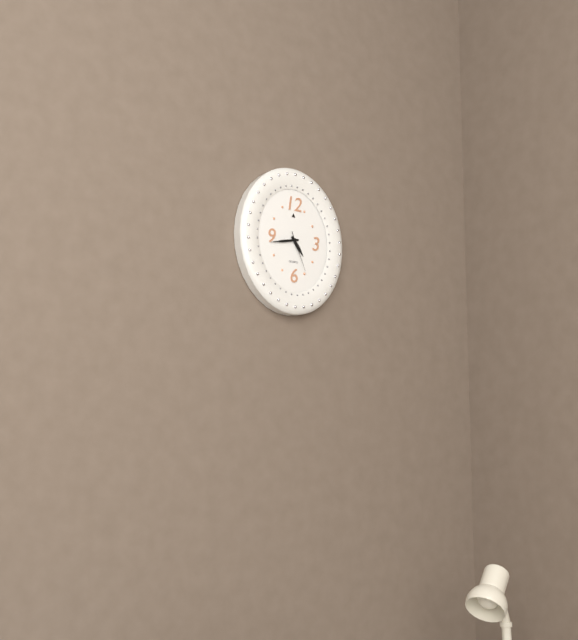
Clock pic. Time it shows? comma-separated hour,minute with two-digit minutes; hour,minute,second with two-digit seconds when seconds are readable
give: 4,43
